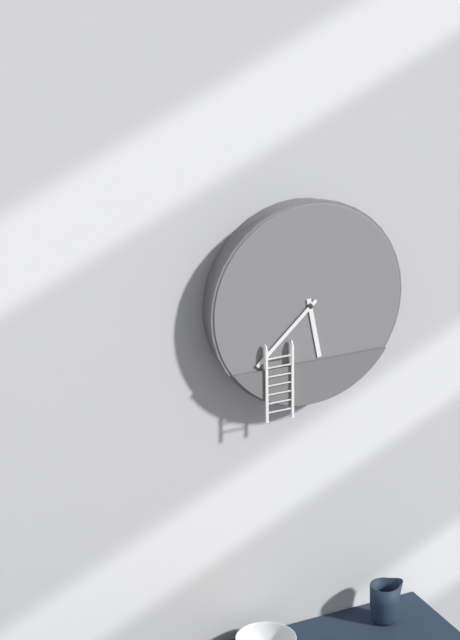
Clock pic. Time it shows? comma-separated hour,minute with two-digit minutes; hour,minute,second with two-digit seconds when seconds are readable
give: 5,38
